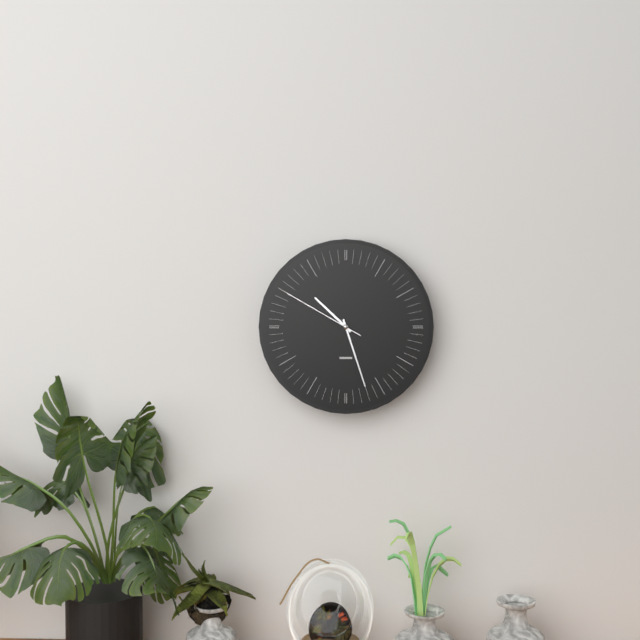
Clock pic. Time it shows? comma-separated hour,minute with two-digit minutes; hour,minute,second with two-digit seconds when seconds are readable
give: 10,27,50
